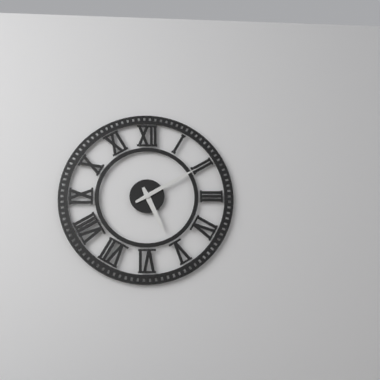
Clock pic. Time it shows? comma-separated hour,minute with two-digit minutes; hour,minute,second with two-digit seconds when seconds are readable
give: 5,10
